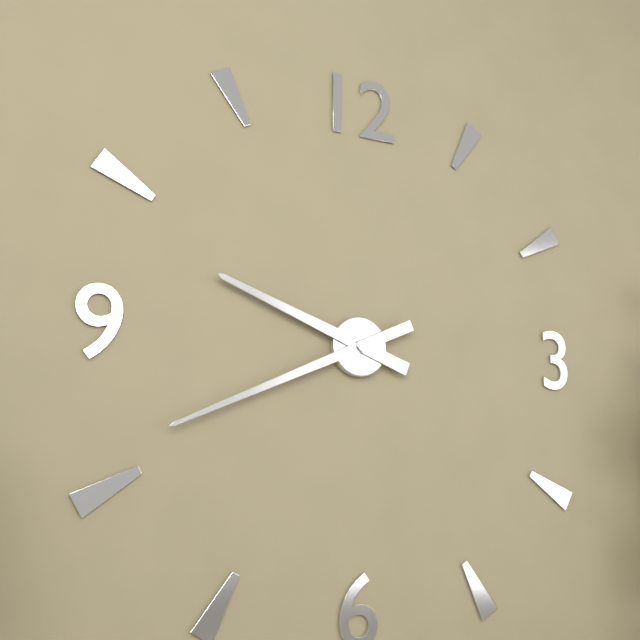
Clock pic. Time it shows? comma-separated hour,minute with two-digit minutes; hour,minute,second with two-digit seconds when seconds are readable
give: 9,41
